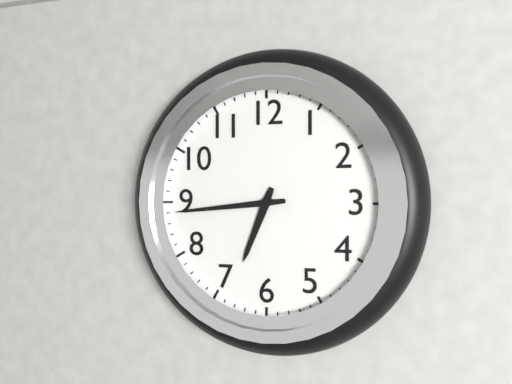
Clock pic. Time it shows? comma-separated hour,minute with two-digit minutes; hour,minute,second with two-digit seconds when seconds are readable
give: 6,44
